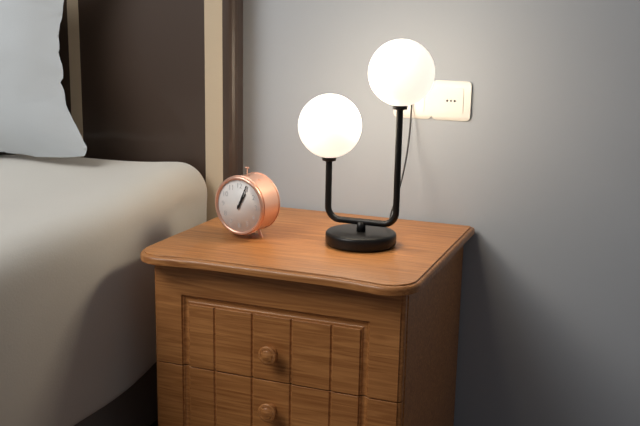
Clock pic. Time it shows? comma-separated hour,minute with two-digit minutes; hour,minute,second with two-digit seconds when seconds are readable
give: 1,04
